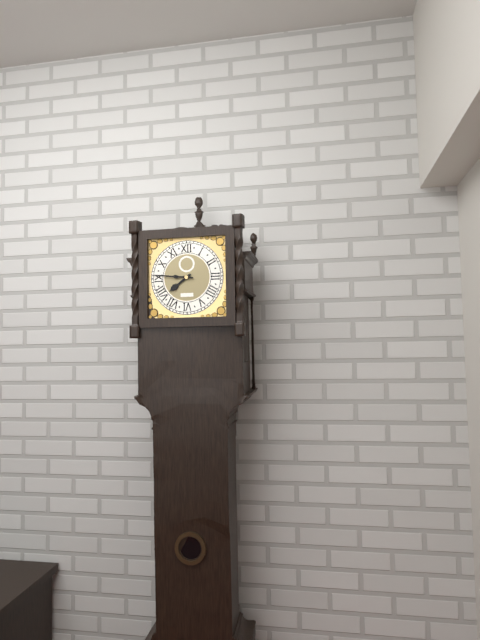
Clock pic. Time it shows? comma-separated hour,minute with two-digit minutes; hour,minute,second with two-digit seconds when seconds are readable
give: 7,46
